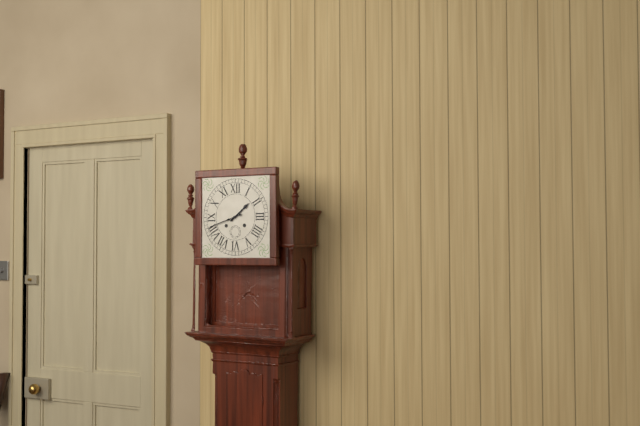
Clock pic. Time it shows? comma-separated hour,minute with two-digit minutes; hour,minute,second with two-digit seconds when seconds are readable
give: 1,42
